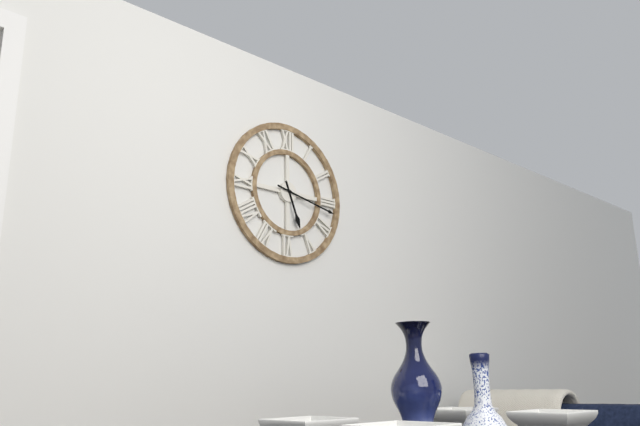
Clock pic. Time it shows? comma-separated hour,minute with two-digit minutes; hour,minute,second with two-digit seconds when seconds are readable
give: 5,17
